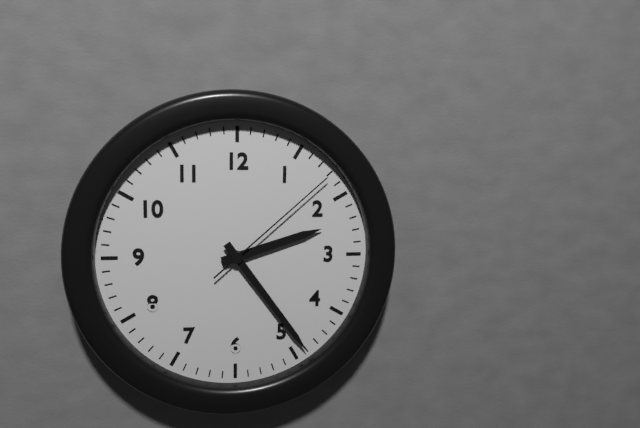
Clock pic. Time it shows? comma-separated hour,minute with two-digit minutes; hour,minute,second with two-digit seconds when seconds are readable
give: 2,24,08
